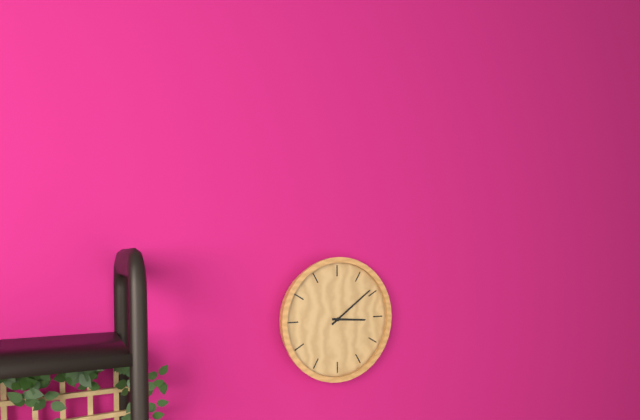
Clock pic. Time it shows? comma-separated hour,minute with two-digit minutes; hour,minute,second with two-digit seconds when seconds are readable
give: 3,09
